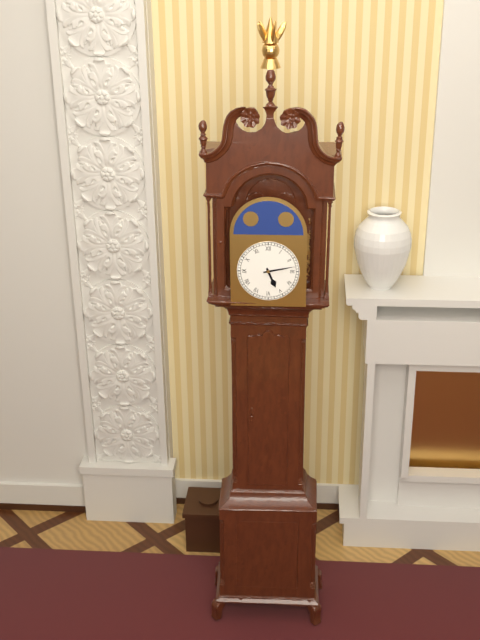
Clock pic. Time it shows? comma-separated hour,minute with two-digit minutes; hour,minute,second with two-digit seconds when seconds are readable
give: 5,13
